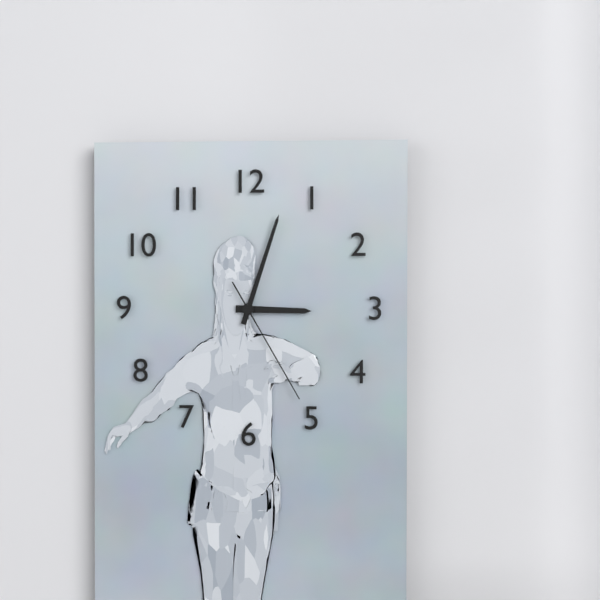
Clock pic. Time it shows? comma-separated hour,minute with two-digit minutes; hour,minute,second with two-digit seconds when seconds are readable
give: 3,03,25
